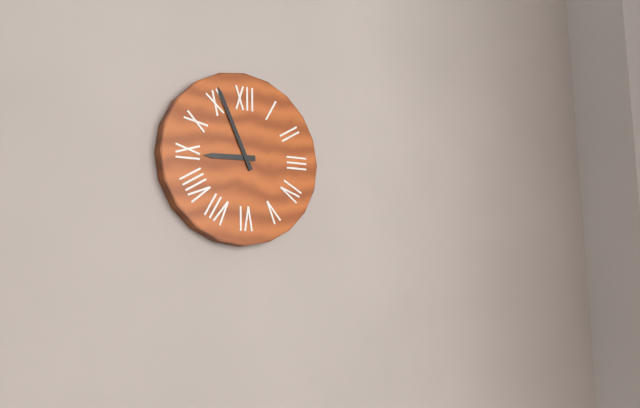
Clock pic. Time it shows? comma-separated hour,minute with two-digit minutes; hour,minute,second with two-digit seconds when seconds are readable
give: 8,56
